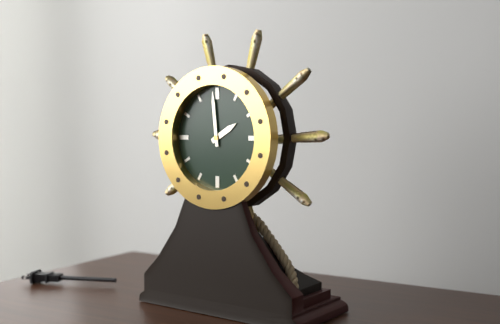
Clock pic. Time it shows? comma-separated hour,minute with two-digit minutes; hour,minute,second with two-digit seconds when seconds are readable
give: 1,59
